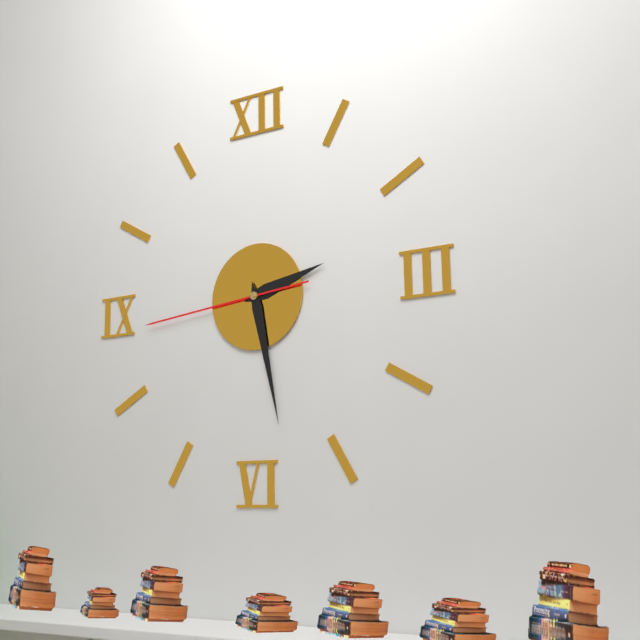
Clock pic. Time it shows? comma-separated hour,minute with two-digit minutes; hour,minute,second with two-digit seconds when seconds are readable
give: 2,28,44
